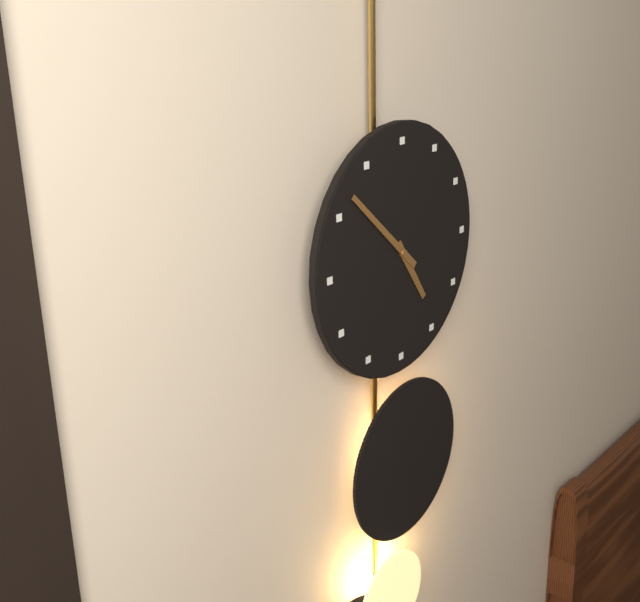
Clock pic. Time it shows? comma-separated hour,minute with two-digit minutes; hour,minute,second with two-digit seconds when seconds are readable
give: 4,52
